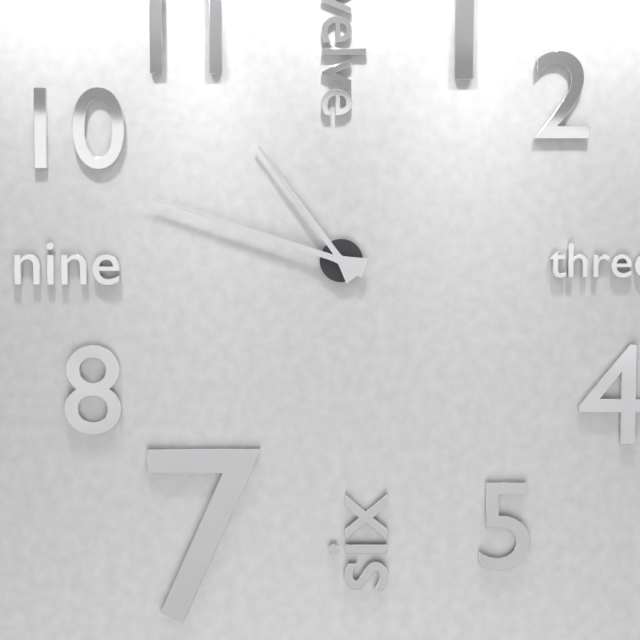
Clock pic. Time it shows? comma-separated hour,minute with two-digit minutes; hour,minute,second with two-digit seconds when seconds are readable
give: 10,48
